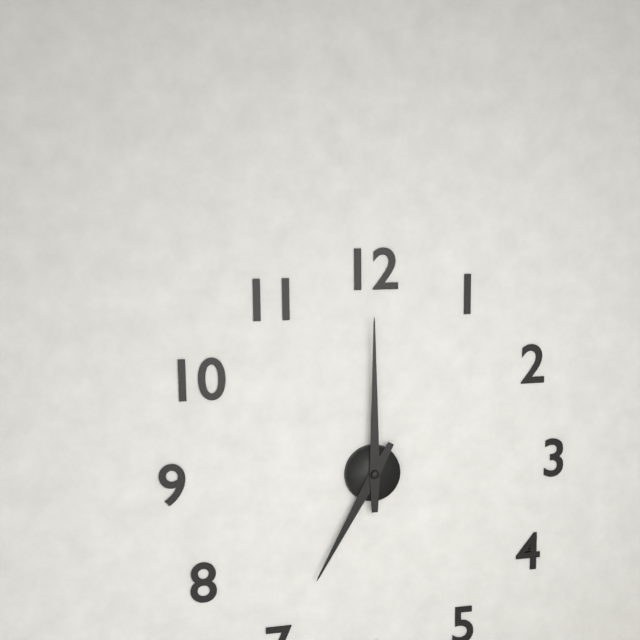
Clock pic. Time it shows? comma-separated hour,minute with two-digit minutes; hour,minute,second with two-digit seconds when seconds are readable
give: 7,00
